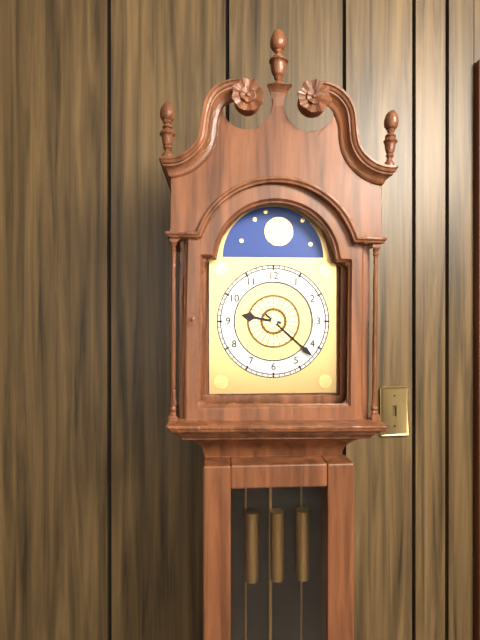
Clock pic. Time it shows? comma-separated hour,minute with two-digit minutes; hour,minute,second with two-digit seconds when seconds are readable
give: 9,22
